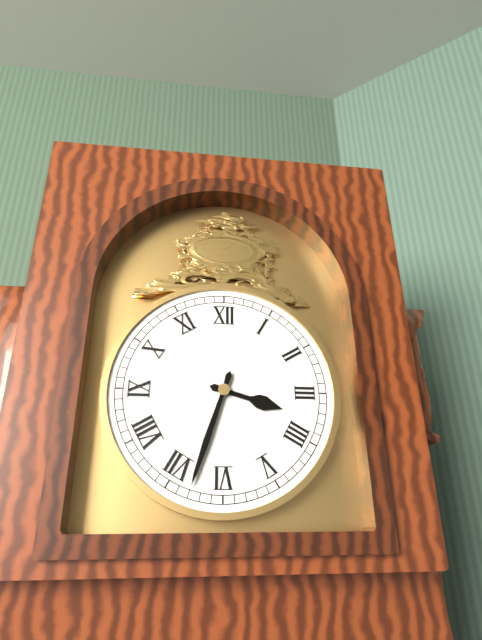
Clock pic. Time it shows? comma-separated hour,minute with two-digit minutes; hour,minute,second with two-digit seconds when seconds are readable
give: 3,33
